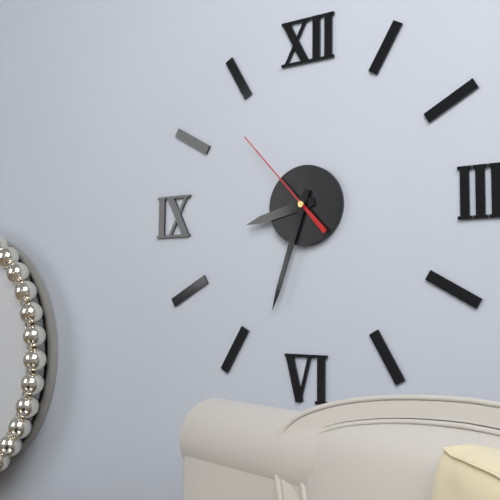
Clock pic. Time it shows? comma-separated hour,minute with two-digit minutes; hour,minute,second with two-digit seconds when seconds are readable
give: 8,33,53
